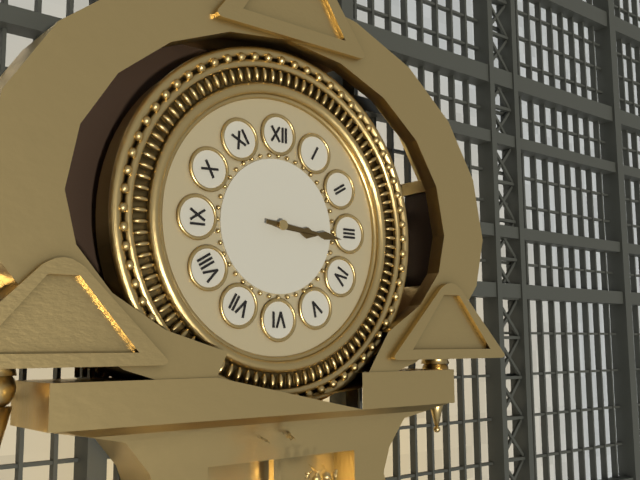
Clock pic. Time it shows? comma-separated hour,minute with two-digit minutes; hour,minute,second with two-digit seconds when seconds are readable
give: 3,16
